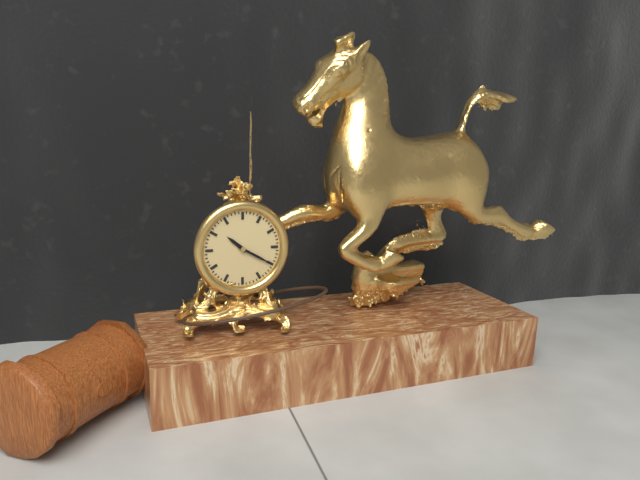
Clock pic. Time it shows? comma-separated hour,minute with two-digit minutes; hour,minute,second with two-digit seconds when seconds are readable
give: 10,20
